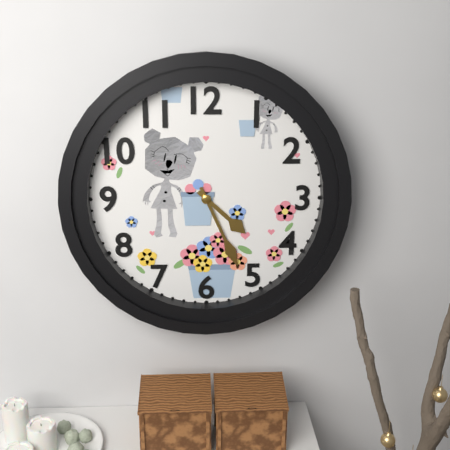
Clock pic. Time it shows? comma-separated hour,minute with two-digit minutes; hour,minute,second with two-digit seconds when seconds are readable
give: 4,26
